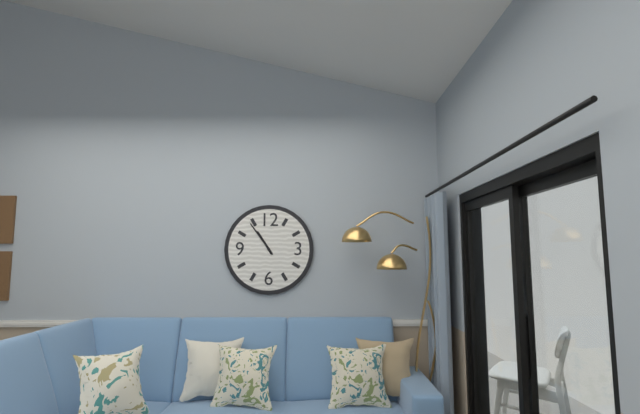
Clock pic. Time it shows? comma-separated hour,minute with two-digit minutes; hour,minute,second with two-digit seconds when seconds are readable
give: 10,54
